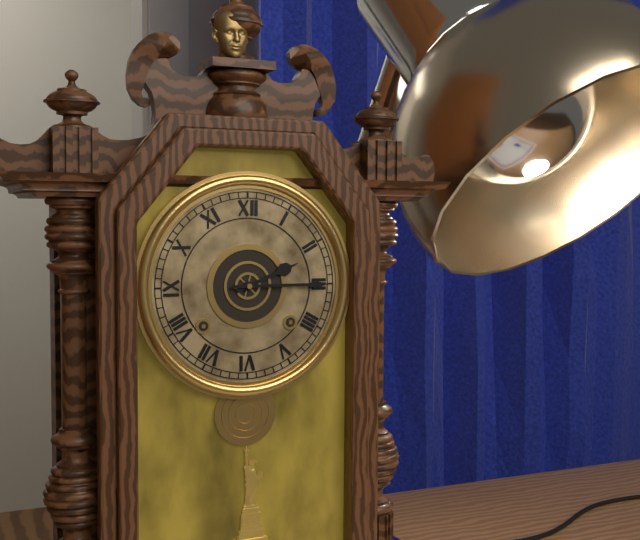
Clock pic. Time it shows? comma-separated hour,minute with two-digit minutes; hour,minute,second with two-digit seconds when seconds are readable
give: 2,15
